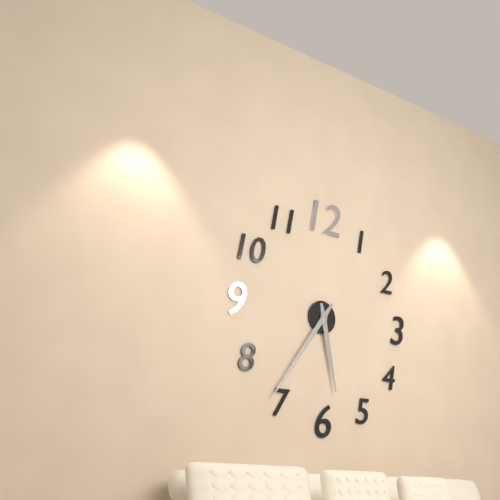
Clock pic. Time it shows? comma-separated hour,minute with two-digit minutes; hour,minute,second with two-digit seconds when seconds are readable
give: 5,36
